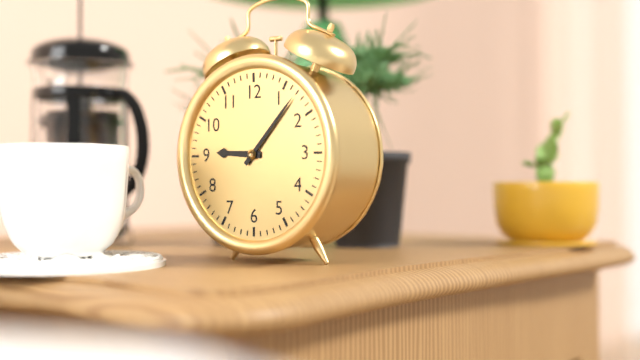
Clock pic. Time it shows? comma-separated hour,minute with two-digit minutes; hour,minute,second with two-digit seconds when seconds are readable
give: 9,07
